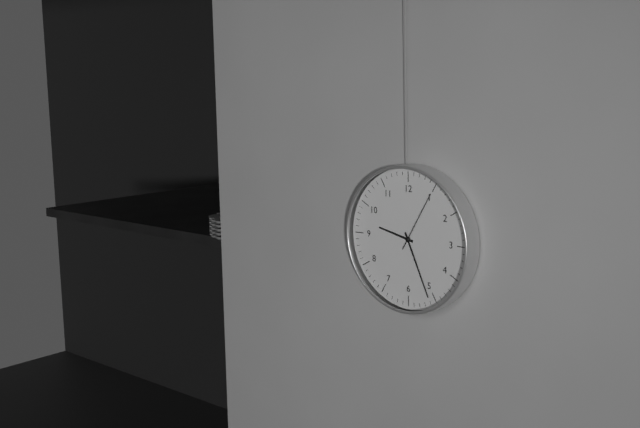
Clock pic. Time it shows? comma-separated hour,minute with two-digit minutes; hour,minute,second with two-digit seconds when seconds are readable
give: 9,26,05
